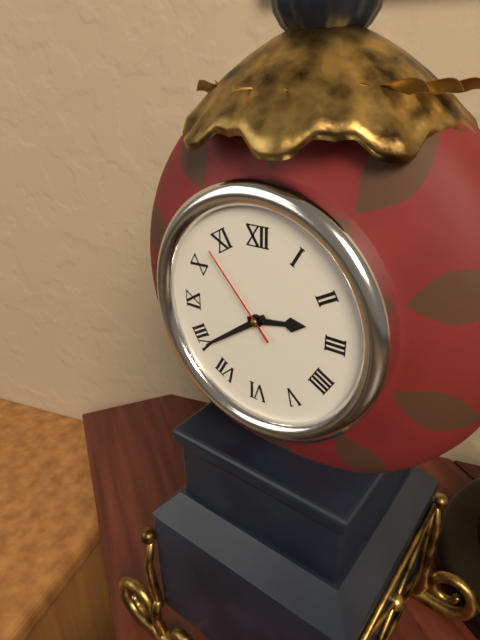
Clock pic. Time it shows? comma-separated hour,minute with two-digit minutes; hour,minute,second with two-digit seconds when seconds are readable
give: 2,39,53
